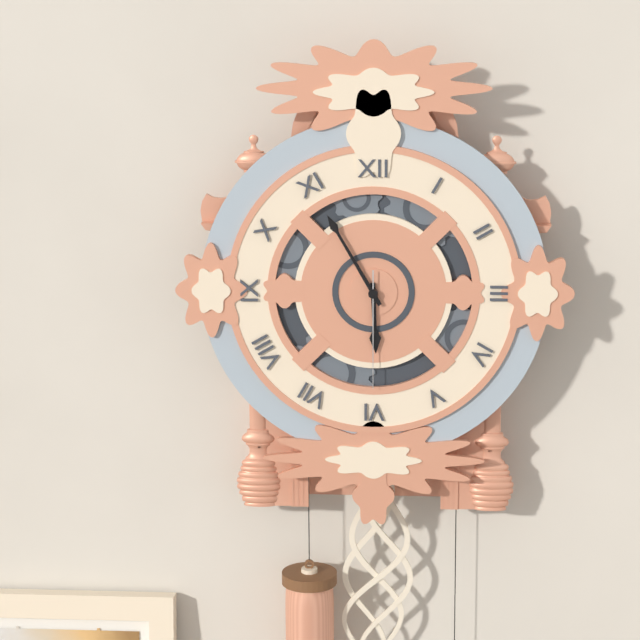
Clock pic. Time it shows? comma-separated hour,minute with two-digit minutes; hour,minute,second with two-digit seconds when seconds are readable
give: 5,55,30
